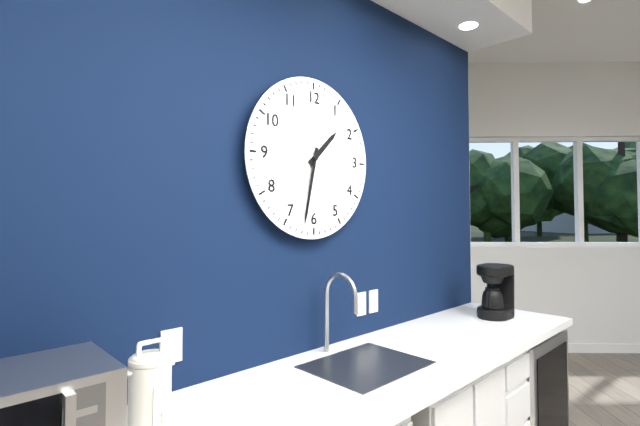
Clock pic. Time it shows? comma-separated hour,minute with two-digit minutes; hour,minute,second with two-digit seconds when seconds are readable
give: 1,32
